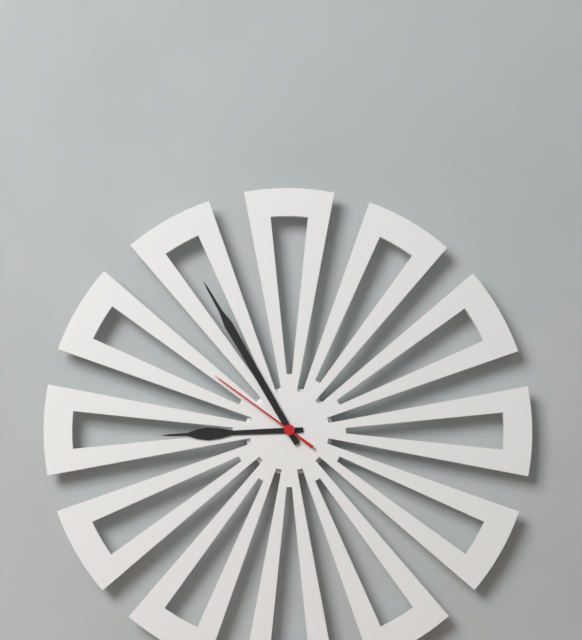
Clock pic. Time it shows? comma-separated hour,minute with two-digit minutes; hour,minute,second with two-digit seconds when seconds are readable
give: 8,55,51
